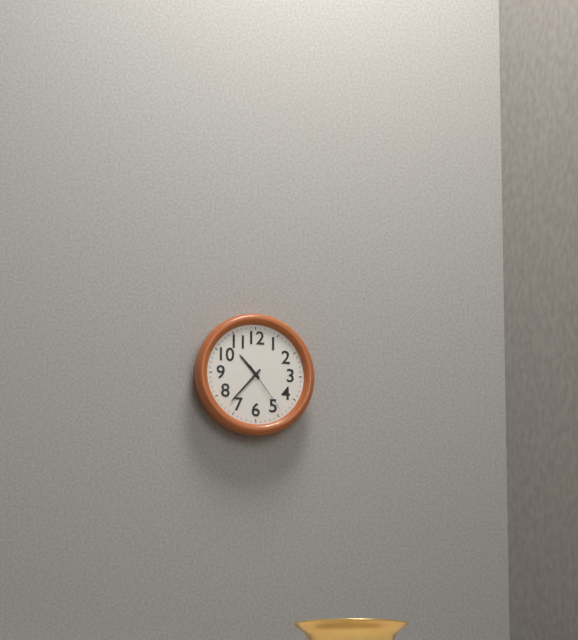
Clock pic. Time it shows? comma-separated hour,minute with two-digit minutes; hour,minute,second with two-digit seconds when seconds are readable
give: 10,37,24
